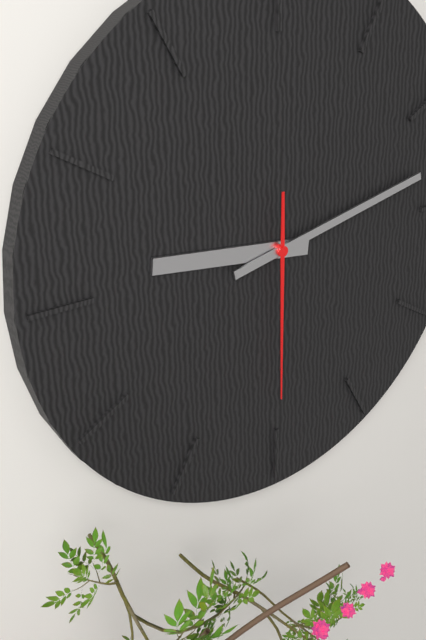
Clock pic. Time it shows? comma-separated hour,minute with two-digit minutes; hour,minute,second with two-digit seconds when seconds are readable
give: 9,13,30
